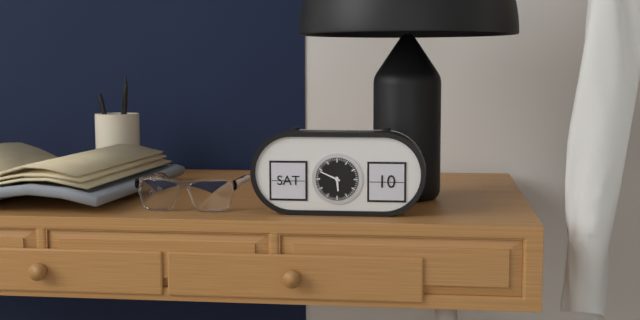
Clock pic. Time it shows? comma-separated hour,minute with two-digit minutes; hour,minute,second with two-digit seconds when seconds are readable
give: 5,49
